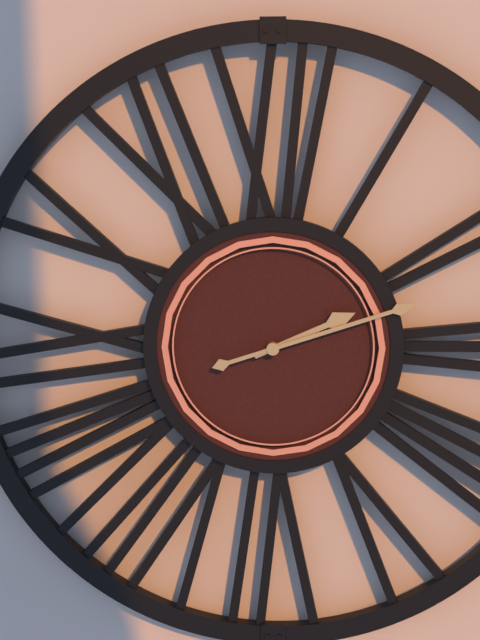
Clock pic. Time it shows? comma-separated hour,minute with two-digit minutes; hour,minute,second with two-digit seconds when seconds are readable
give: 2,12
